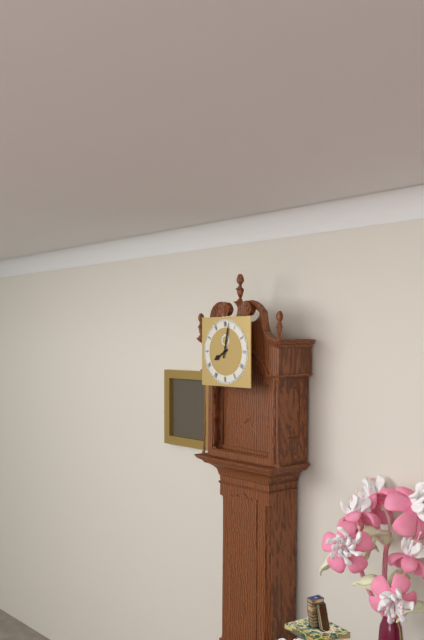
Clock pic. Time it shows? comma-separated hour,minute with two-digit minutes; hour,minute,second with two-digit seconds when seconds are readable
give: 8,02
